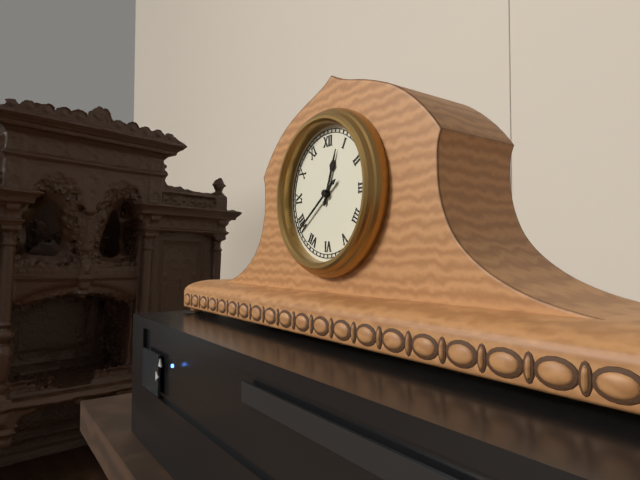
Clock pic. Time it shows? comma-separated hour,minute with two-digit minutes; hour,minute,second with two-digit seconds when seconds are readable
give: 12,39
